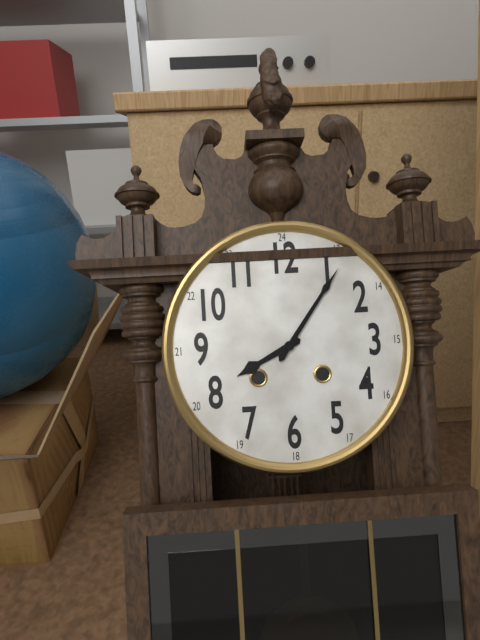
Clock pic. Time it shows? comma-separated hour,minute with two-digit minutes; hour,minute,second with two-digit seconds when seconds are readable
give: 8,06
